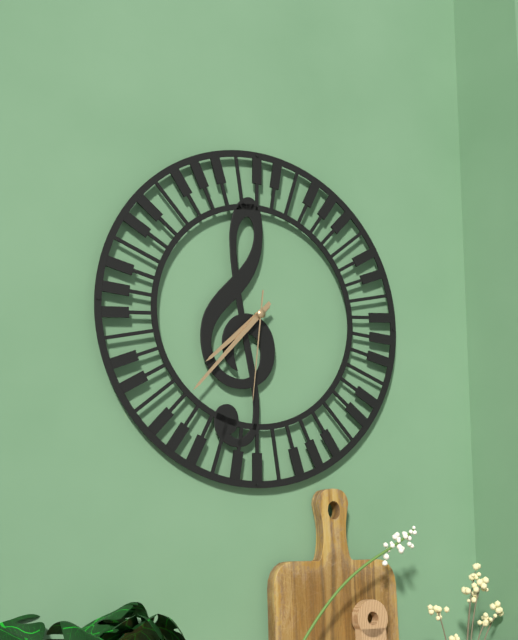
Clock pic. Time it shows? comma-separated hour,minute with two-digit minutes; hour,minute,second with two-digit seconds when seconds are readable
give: 7,37,31
